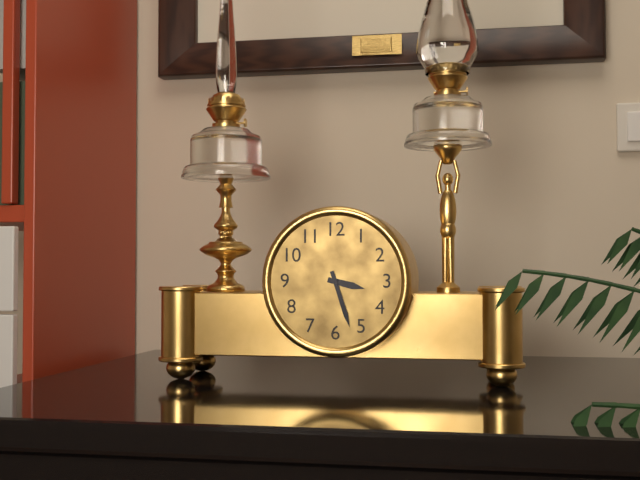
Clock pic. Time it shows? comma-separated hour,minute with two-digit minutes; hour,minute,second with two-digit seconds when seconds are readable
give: 3,27
